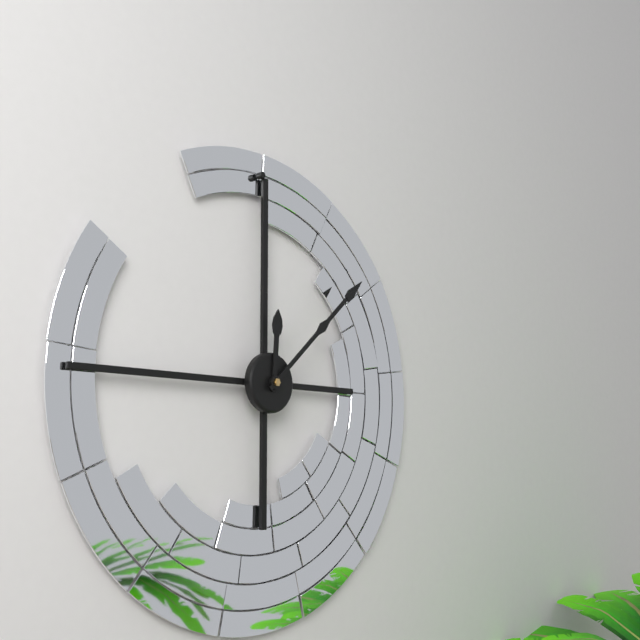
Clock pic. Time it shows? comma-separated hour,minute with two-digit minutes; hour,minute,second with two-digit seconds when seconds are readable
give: 12,08
